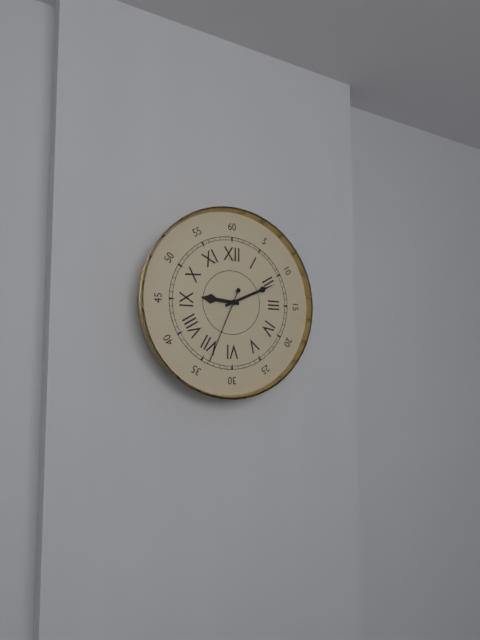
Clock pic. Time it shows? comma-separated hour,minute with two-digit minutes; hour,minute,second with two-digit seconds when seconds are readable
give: 9,11,34
